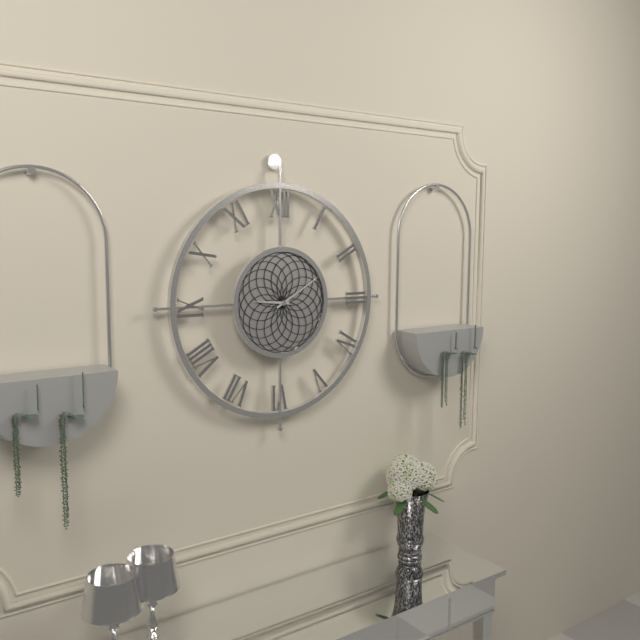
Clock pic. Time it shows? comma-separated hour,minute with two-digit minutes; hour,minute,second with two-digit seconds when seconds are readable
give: 9,10
